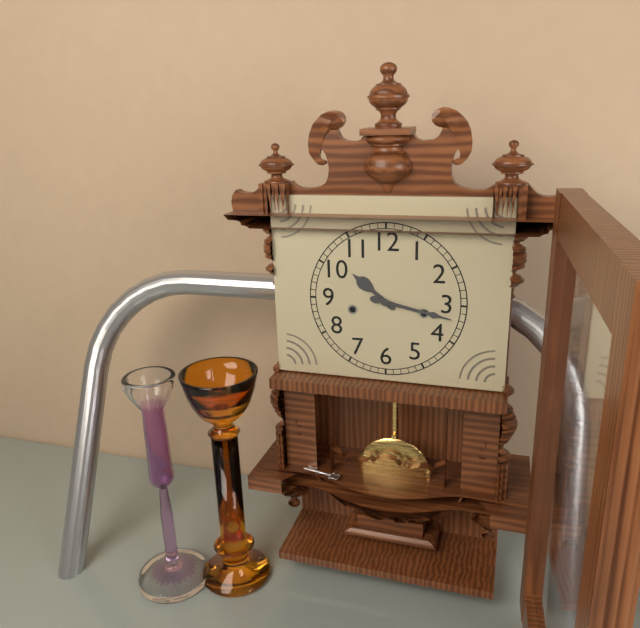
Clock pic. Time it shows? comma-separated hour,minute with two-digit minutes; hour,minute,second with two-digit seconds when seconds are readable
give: 10,17
